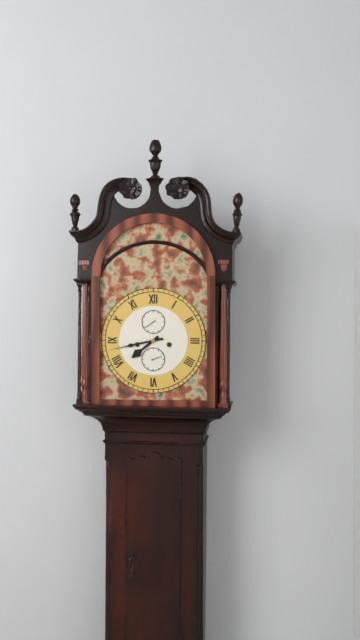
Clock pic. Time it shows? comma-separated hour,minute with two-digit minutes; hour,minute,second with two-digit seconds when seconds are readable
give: 7,43
